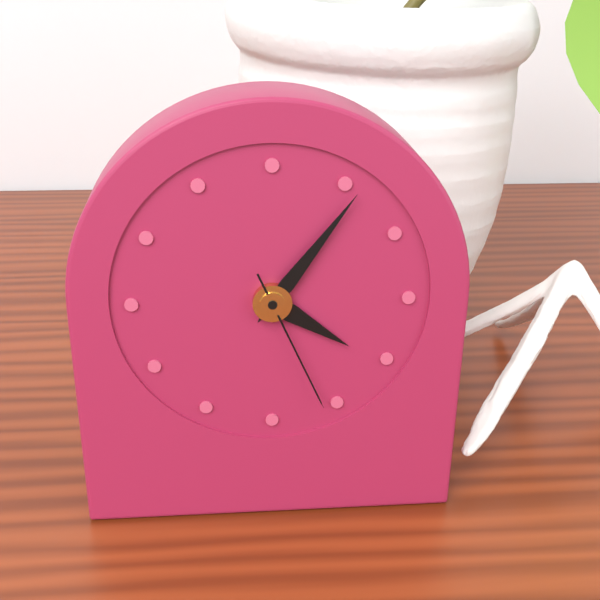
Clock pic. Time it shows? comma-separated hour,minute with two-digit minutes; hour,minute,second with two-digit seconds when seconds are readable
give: 4,06,26
